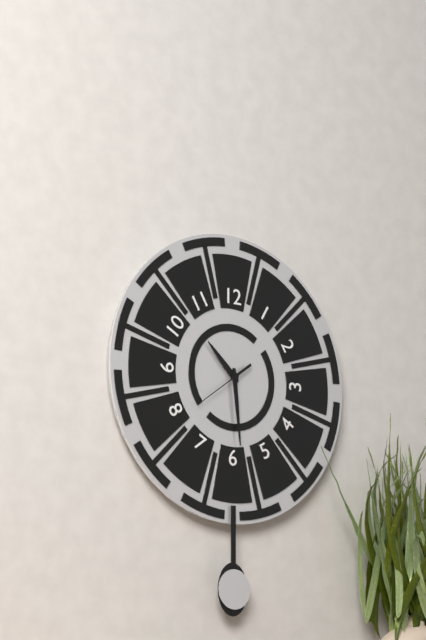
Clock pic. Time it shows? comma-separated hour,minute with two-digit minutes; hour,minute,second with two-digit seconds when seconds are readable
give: 10,29,39
